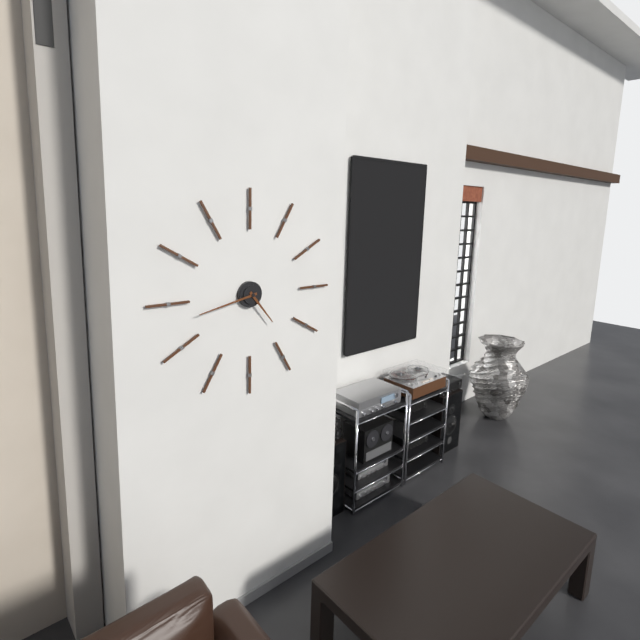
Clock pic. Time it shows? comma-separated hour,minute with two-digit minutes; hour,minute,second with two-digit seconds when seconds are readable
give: 4,43
